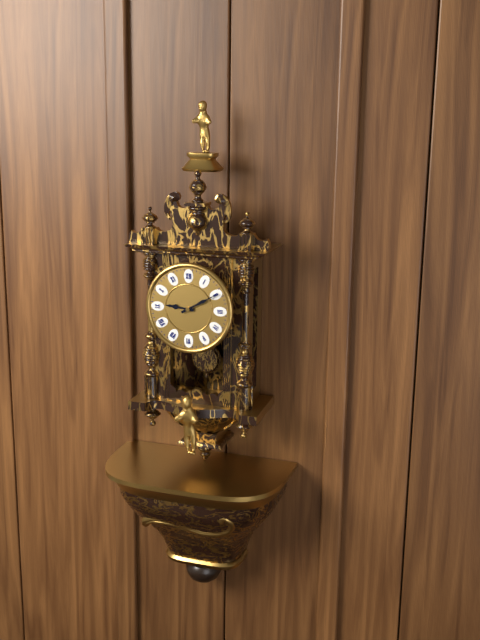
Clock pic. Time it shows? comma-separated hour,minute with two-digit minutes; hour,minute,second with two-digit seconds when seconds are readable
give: 9,10
